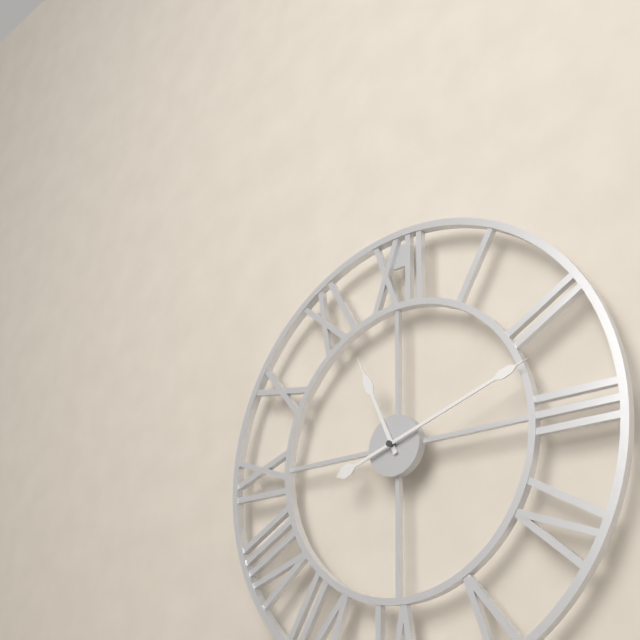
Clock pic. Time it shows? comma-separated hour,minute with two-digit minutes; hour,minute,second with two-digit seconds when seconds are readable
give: 11,12
